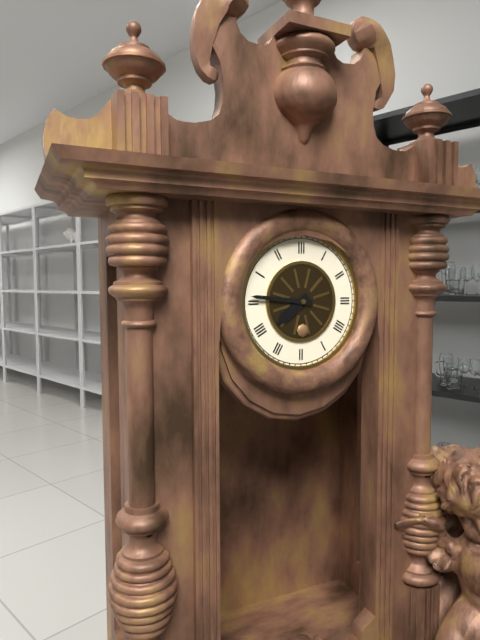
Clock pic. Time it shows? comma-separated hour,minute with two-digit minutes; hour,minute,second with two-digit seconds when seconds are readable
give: 7,46
